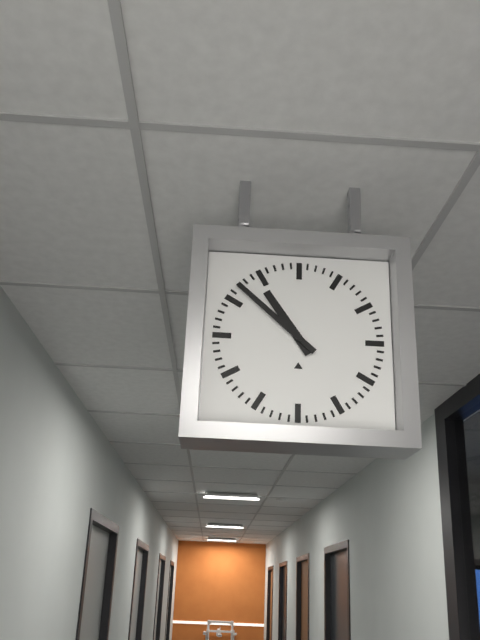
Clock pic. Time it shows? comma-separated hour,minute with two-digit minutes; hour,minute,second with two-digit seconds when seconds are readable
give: 10,52
